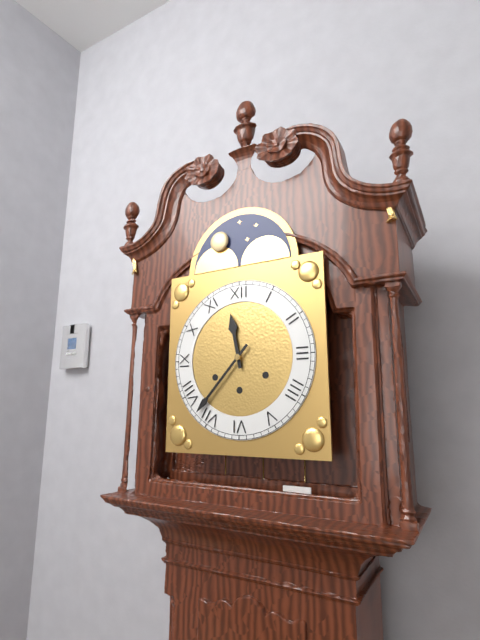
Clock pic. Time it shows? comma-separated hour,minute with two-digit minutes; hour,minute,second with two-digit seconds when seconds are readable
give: 11,37
